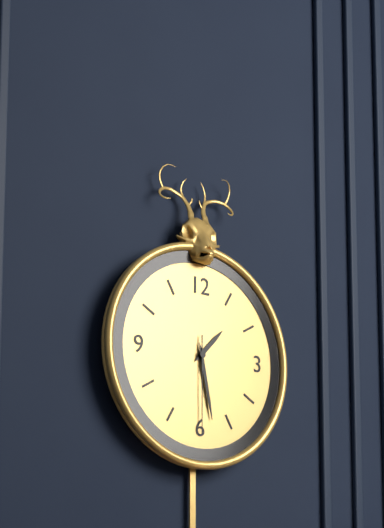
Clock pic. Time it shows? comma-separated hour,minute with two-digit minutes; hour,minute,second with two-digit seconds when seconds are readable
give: 1,28,30
